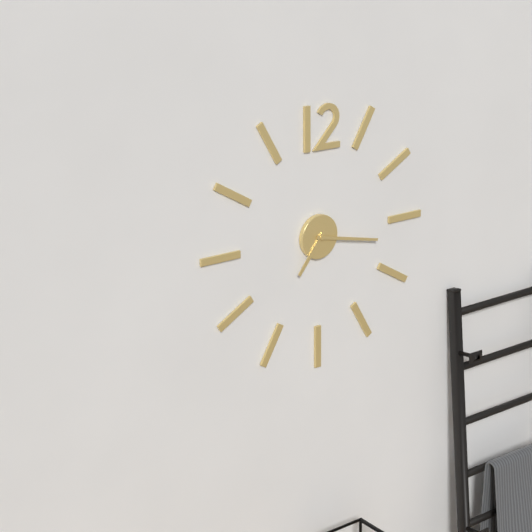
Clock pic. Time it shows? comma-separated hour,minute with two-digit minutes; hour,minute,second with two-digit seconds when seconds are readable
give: 7,17
